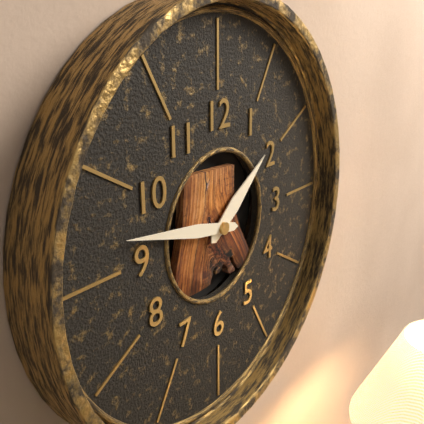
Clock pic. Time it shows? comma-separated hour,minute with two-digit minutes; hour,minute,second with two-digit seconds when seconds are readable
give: 1,47
